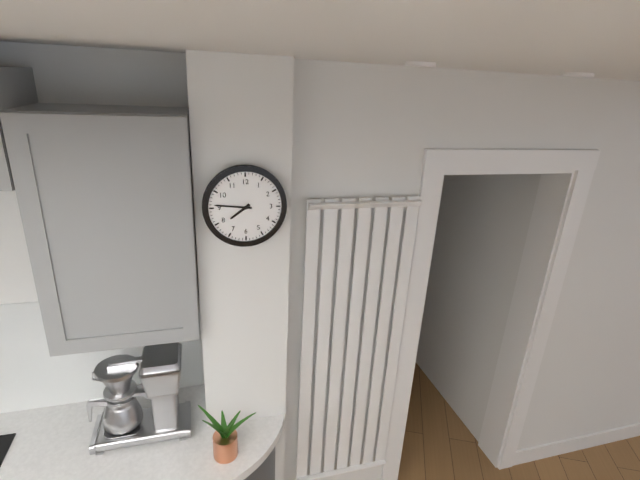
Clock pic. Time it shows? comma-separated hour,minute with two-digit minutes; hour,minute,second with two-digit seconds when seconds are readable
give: 7,46
